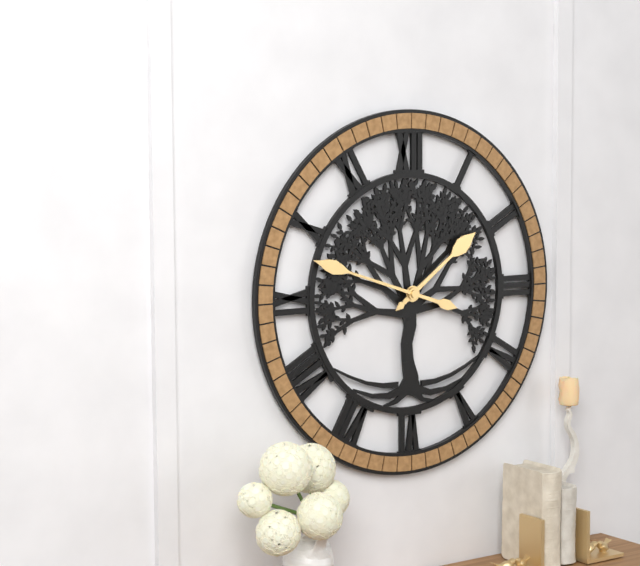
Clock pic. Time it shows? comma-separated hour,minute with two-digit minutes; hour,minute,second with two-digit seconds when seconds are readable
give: 1,48
